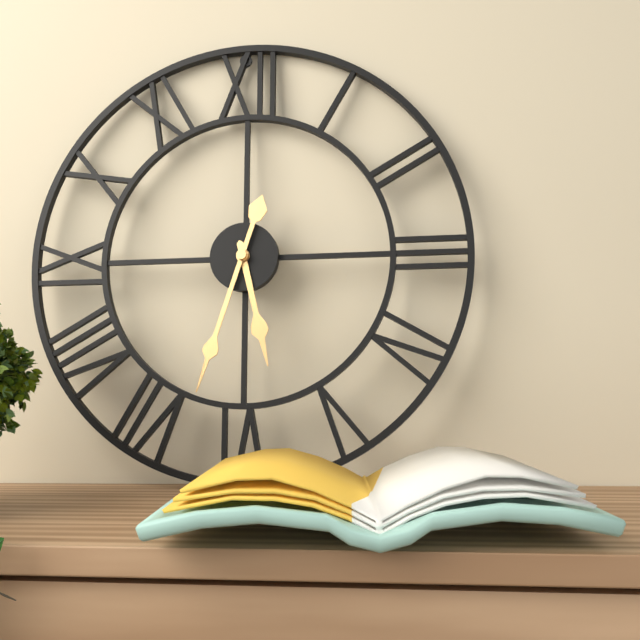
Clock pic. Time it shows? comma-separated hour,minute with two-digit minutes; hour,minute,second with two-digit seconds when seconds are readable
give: 5,33
